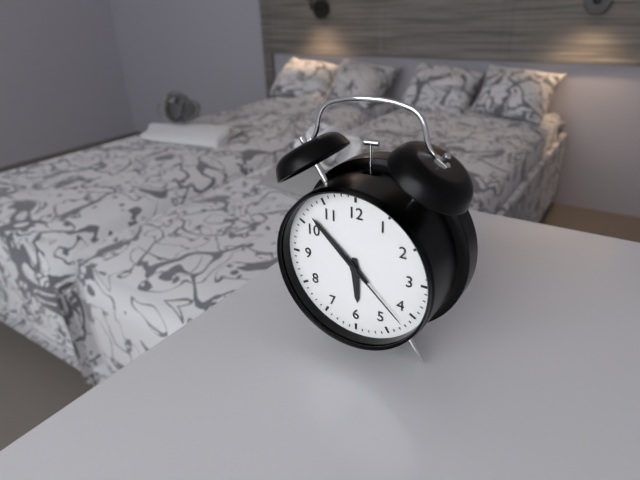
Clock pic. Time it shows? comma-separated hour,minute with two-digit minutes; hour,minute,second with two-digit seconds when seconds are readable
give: 5,52,22
